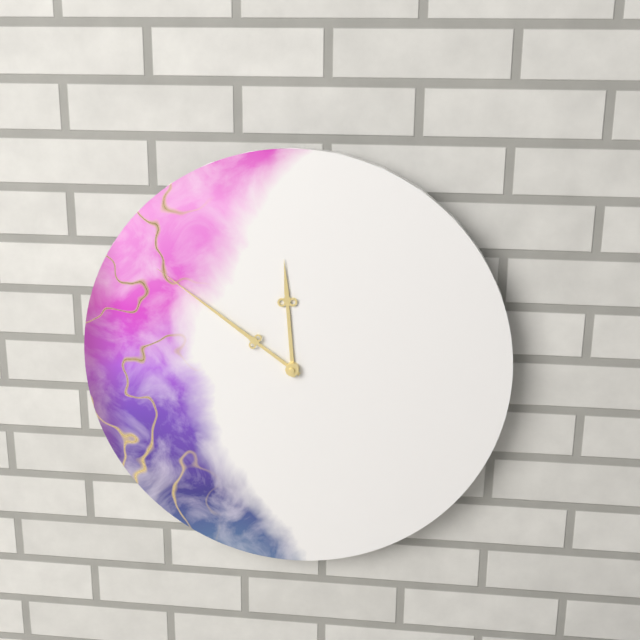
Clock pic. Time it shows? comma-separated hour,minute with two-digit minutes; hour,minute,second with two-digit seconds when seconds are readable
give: 11,51
